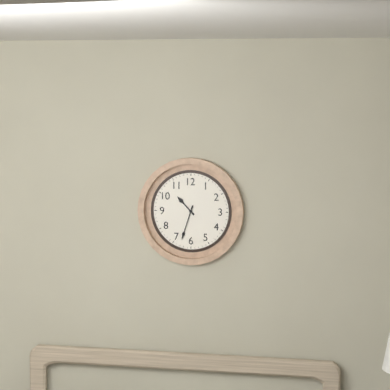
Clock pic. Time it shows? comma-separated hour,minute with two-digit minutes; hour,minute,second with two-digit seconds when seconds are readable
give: 10,33
